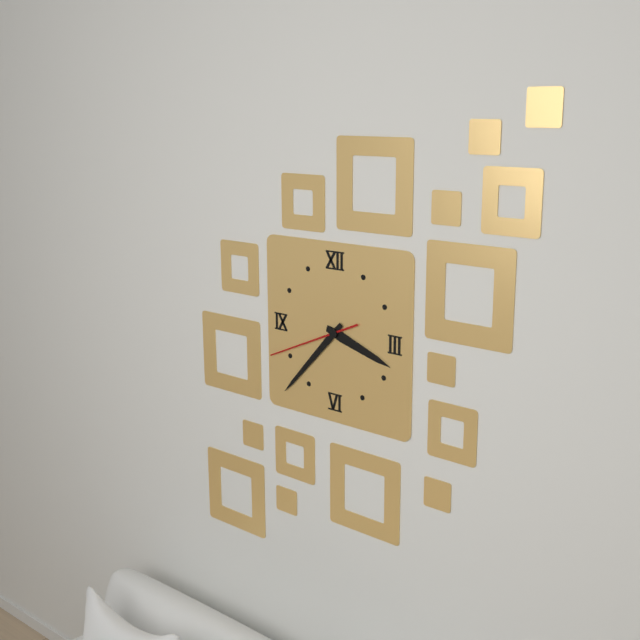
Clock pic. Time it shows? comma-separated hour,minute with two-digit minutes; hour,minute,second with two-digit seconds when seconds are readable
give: 3,37,41
